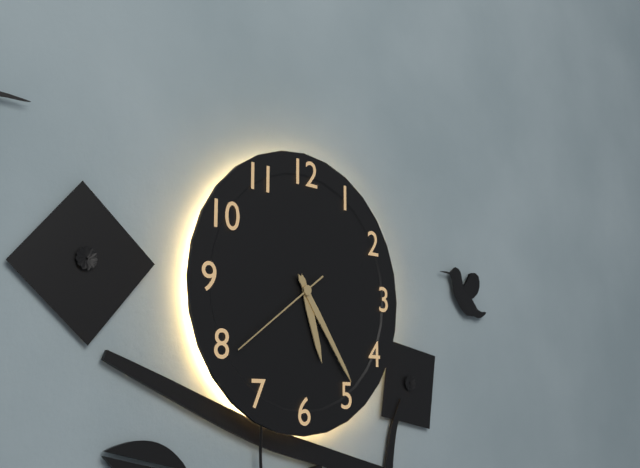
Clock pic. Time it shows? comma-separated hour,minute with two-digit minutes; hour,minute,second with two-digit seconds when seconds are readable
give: 5,24,39
